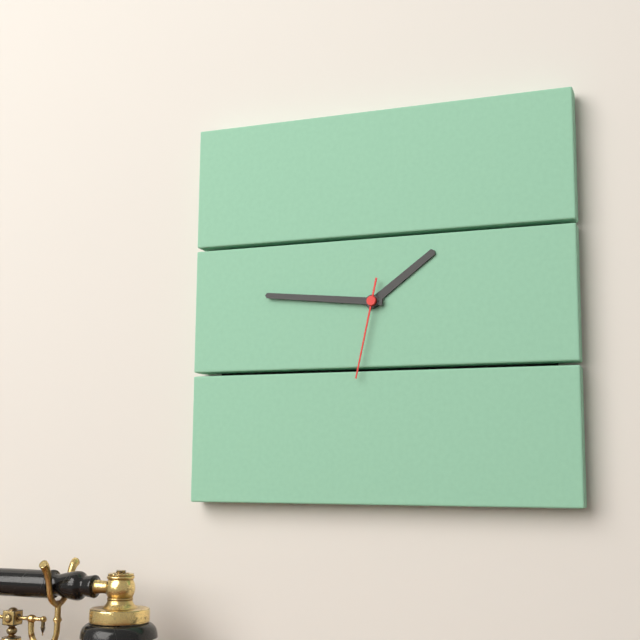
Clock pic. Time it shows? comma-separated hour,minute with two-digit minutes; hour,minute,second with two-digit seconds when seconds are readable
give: 1,46,32
